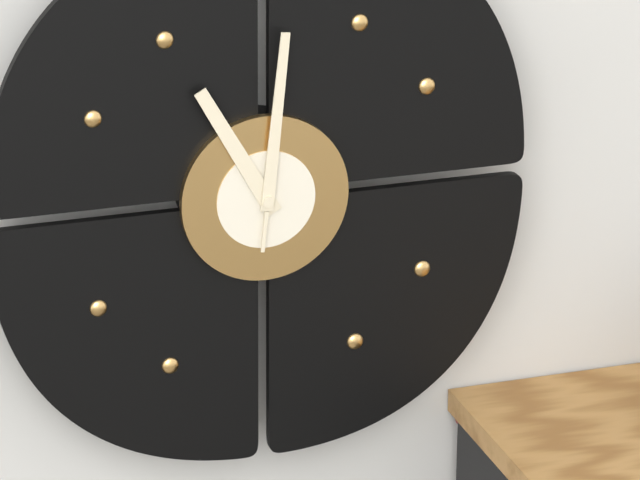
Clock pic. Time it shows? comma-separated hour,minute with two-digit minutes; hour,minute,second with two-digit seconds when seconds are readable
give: 11,01
